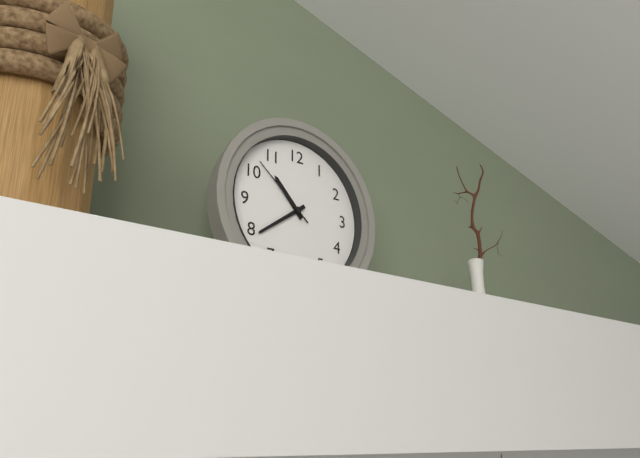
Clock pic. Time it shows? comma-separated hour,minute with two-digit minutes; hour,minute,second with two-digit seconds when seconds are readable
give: 10,39,52
